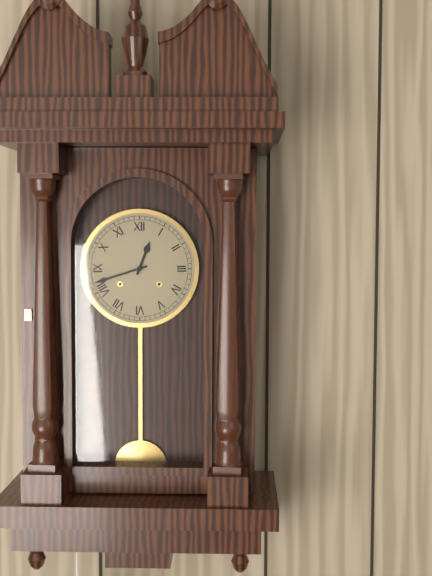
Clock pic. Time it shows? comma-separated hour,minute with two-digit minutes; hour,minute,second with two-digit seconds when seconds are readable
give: 12,42
